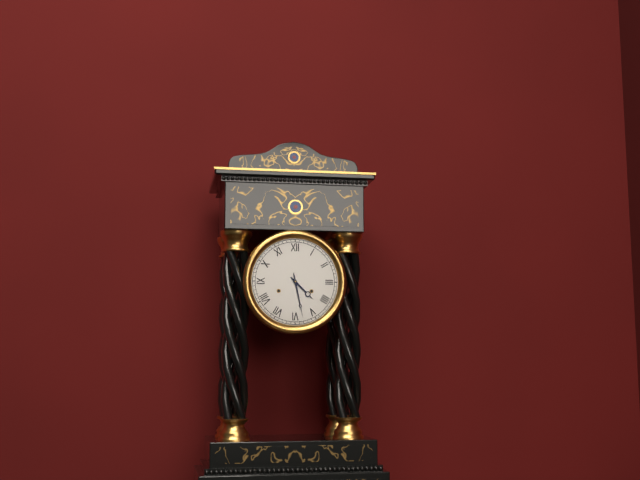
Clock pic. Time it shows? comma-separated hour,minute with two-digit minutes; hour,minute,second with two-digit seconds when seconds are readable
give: 4,28
